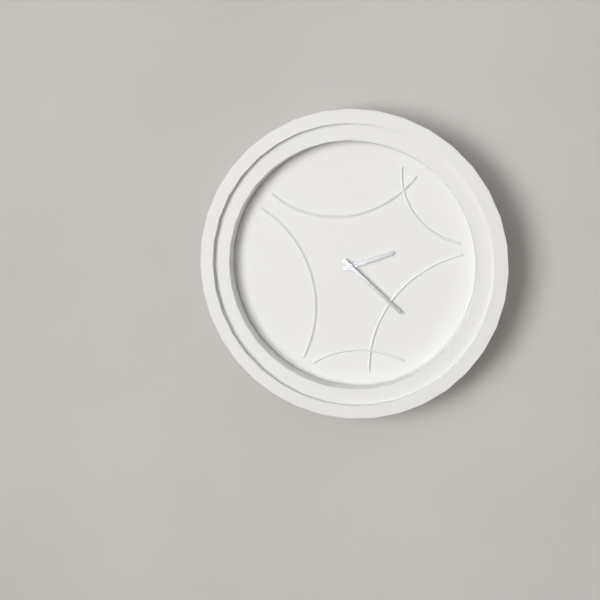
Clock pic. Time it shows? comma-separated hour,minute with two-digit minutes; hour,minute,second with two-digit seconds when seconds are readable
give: 2,22
